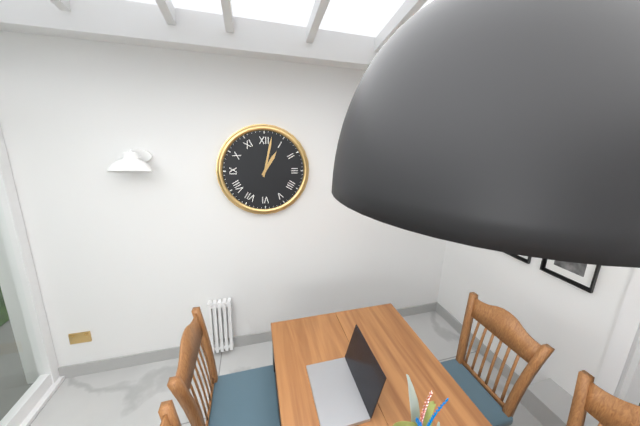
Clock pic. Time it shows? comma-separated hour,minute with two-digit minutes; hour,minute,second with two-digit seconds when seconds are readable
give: 1,02
